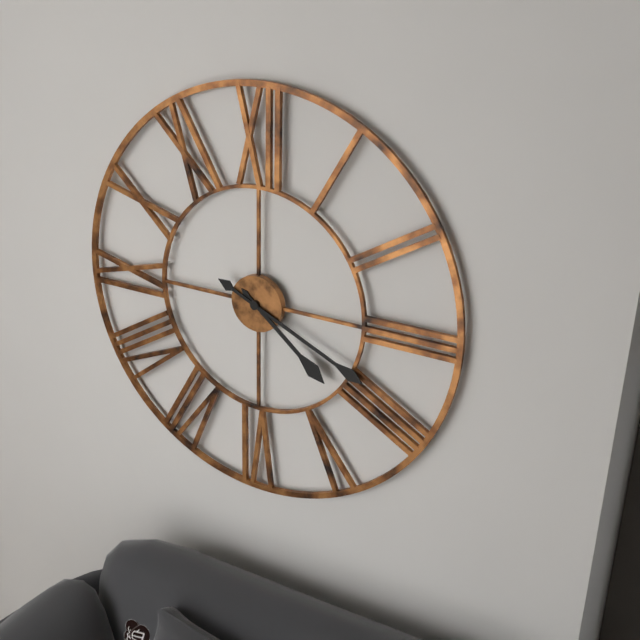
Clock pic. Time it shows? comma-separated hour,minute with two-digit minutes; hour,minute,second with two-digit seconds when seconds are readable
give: 4,19
